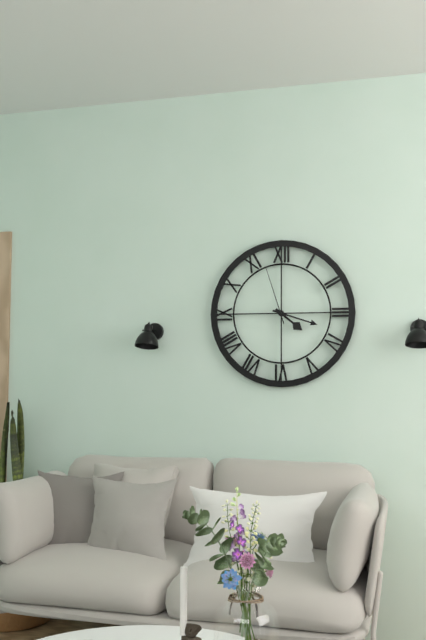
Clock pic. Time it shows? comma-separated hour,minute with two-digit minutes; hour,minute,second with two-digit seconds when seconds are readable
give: 4,18,57
